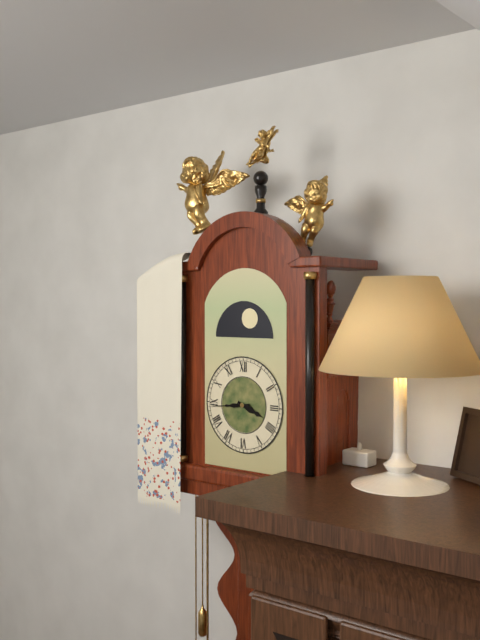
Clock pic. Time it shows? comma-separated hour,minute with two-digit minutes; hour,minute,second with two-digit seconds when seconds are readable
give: 3,44
